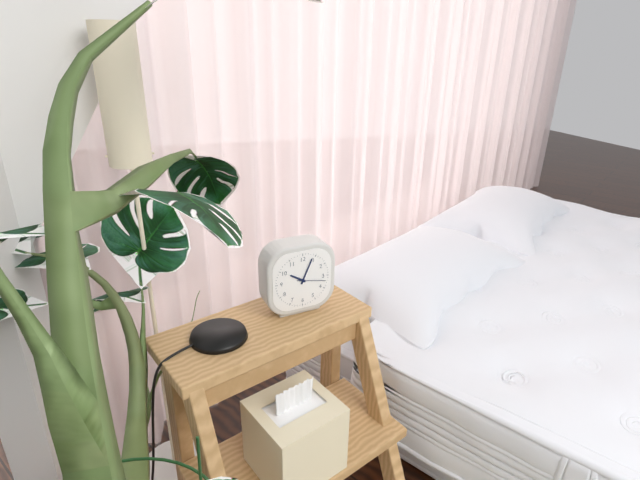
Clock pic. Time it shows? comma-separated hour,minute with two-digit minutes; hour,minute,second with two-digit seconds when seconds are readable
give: 10,04
